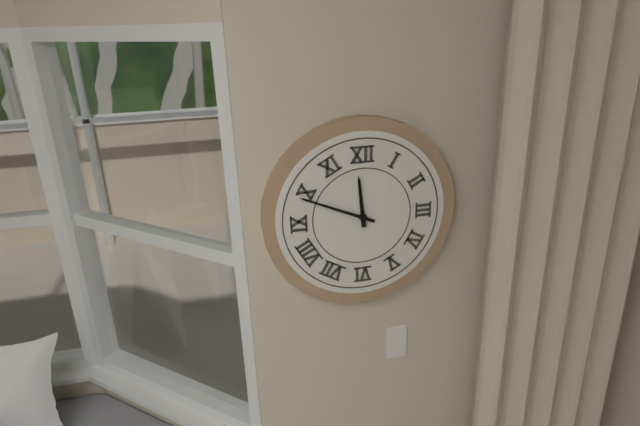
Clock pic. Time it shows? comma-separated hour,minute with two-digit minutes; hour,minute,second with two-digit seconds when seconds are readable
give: 11,49
